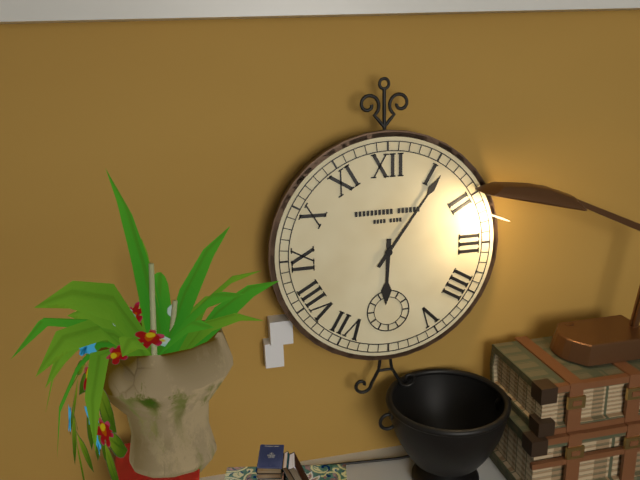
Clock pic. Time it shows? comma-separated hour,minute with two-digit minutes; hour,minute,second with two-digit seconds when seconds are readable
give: 6,06
